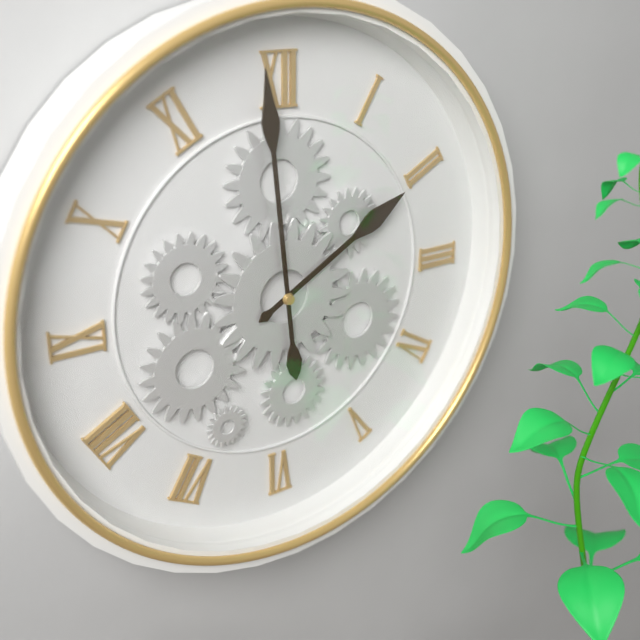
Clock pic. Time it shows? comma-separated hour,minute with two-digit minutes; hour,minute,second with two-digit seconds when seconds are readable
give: 1,59
